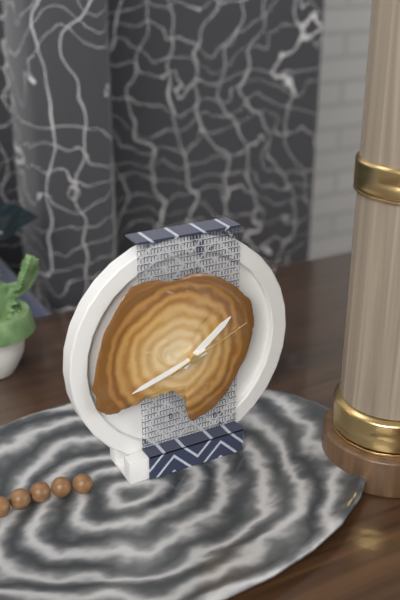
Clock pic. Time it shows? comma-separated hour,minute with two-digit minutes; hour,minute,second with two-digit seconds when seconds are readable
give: 1,42,11
